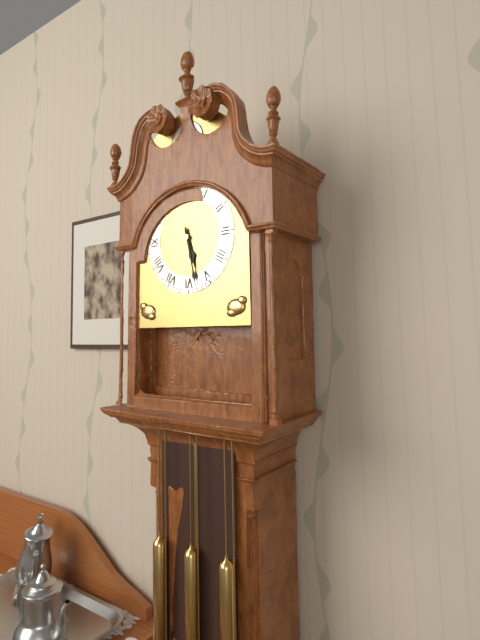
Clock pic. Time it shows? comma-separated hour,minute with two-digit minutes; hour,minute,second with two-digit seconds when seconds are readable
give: 5,28
